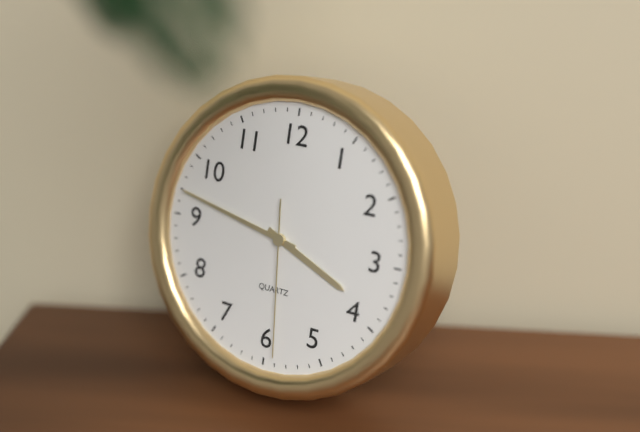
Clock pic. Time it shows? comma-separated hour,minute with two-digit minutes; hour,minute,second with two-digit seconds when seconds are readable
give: 3,47,29
